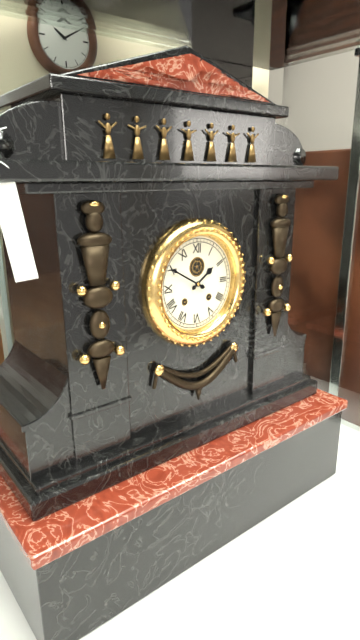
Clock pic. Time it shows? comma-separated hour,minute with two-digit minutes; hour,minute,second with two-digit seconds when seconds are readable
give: 1,50
